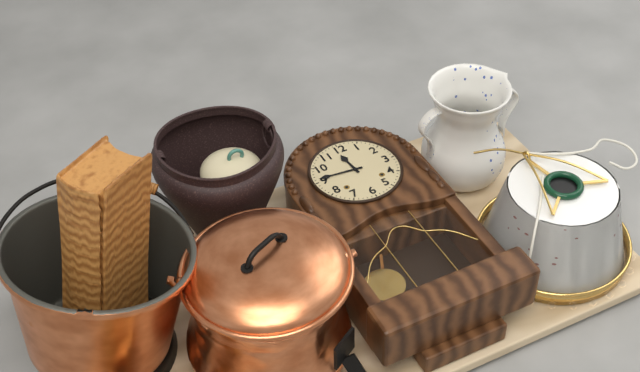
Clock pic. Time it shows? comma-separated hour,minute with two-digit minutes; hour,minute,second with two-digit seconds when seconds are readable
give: 11,46
